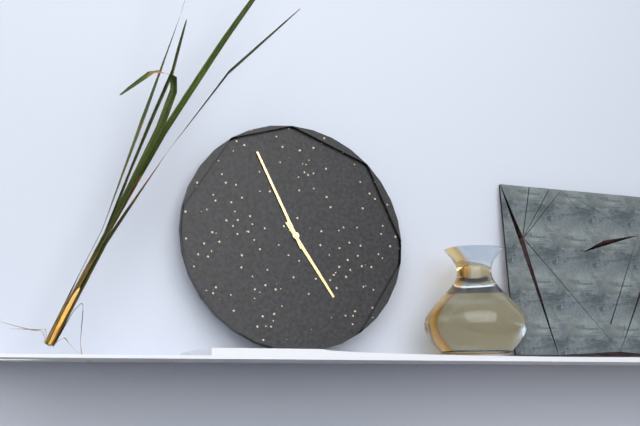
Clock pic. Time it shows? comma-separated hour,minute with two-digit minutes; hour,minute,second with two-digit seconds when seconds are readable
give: 4,56
